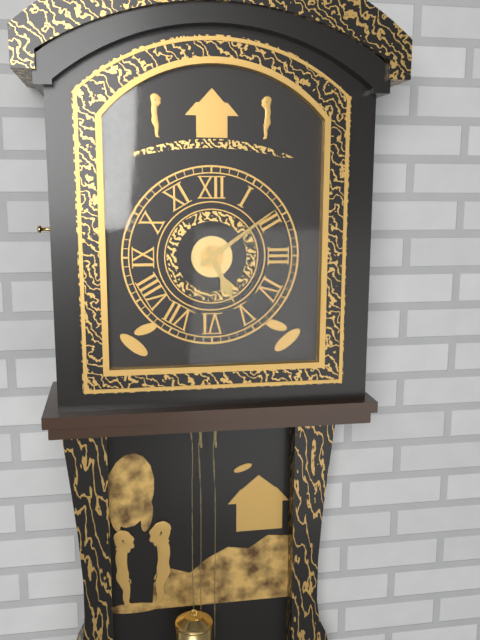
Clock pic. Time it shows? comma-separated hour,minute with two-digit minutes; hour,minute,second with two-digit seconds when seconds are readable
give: 5,09
